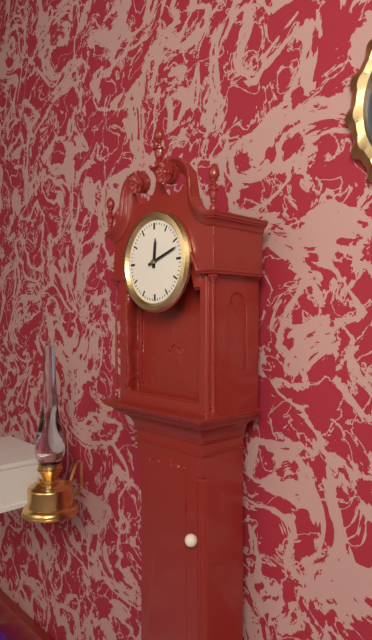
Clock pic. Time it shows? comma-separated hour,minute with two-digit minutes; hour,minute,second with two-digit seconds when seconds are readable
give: 12,12
